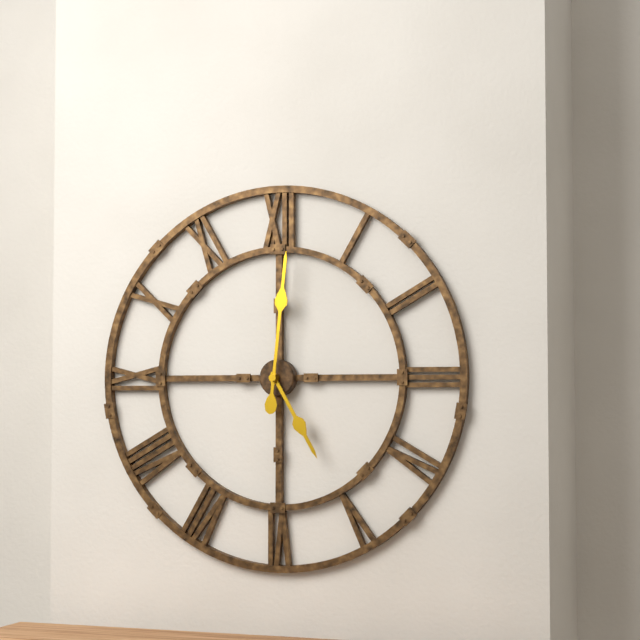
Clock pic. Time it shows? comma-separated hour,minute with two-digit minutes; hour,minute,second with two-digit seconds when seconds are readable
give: 5,01
